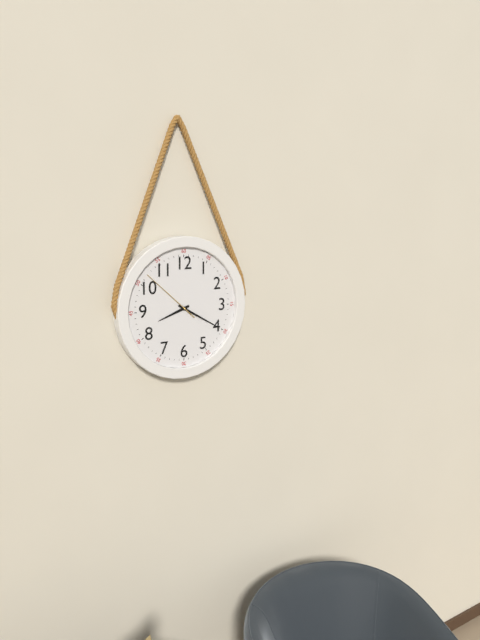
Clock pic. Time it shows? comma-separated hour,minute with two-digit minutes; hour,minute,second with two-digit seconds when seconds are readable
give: 8,20,52
